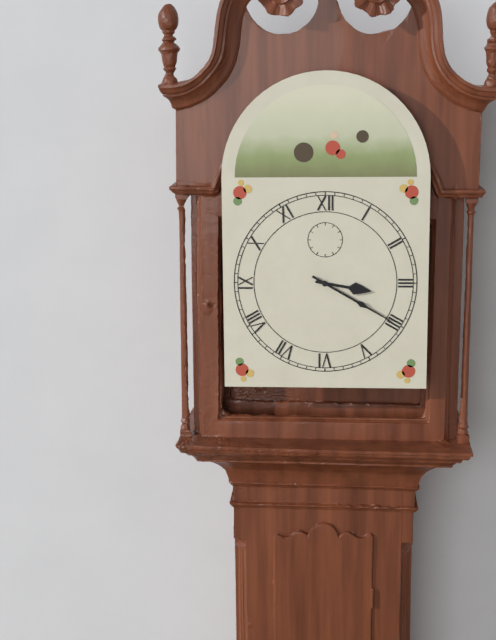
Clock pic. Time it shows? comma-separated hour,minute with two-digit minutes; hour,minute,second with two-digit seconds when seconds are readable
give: 3,20
